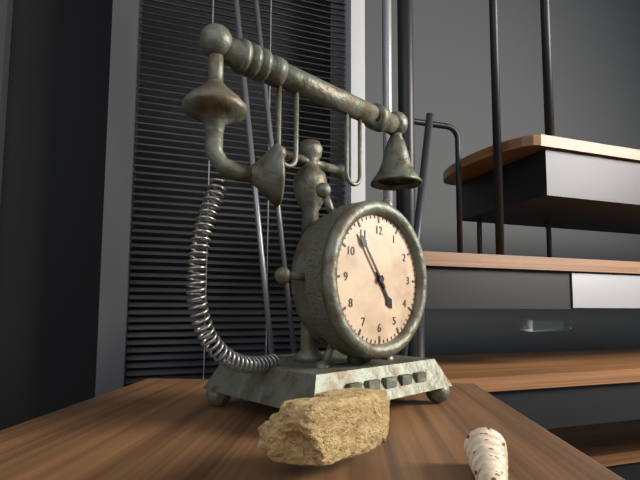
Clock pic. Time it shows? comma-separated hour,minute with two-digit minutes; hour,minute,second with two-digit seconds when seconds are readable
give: 4,54
